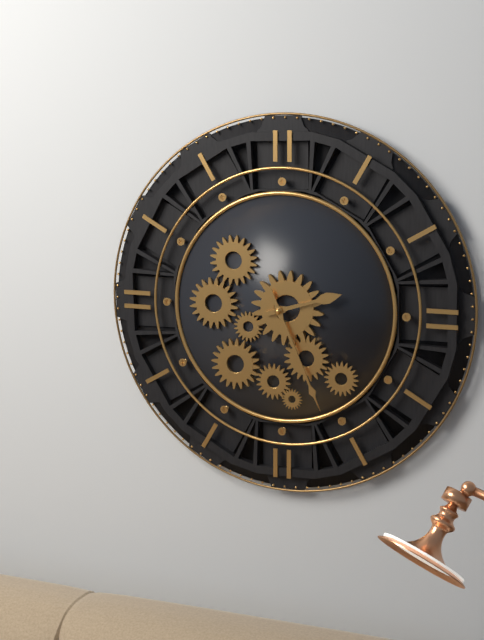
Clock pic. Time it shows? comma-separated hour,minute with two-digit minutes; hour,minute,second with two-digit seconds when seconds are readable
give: 2,26
